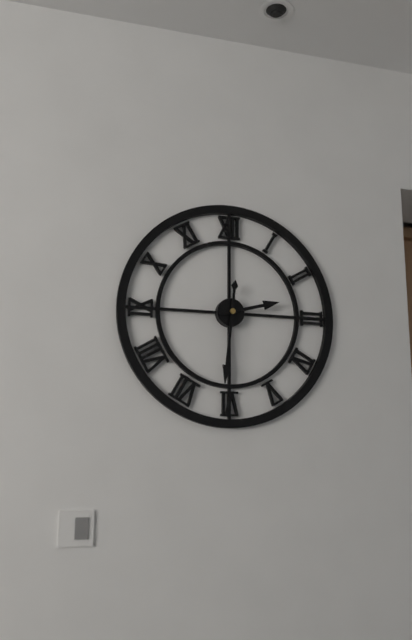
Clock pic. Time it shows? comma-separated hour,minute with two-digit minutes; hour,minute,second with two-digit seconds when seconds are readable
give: 2,31
